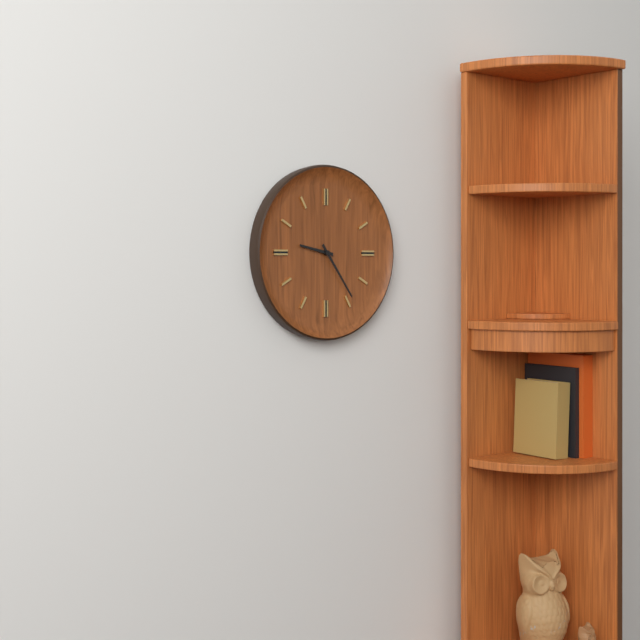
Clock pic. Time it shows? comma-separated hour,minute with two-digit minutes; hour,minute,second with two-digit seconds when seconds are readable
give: 9,24
